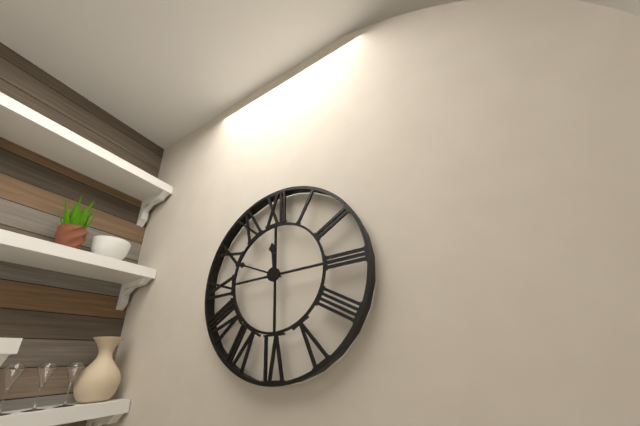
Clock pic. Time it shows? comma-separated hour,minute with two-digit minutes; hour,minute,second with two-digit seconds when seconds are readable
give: 11,49
